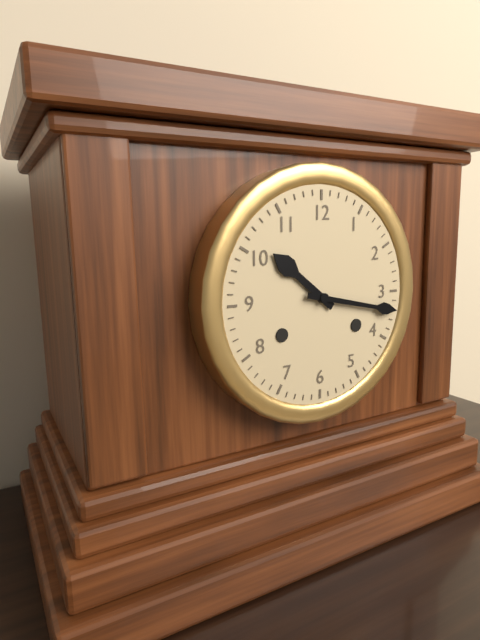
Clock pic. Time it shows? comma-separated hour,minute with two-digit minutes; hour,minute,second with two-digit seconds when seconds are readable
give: 10,17
